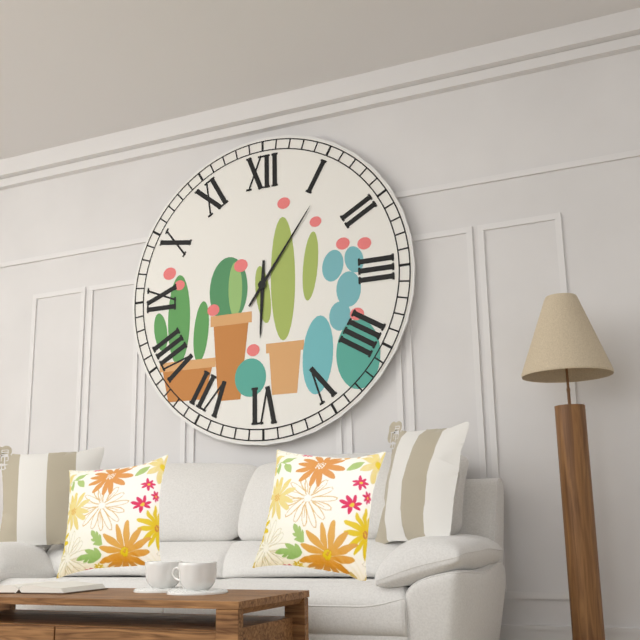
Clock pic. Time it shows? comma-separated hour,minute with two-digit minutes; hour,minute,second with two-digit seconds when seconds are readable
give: 6,06
